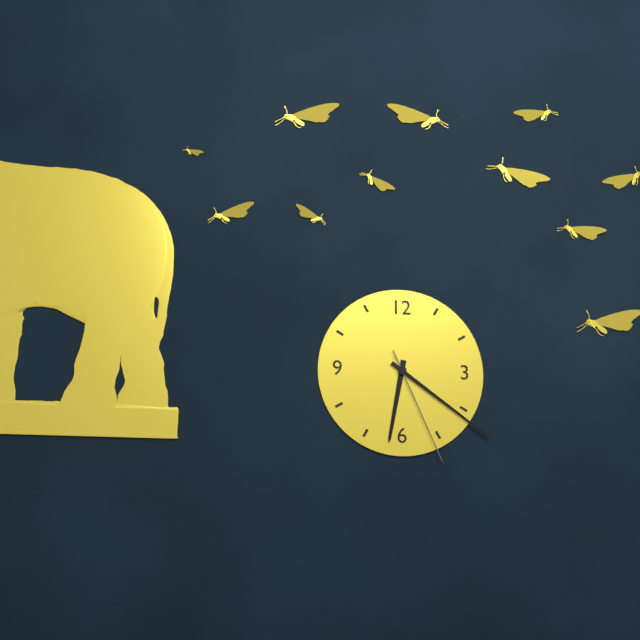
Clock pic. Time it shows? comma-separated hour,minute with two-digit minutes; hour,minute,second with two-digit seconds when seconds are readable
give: 6,21,26
